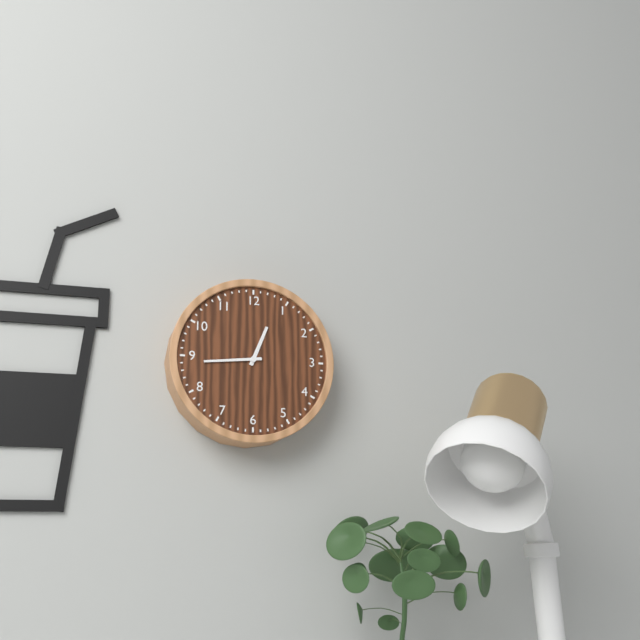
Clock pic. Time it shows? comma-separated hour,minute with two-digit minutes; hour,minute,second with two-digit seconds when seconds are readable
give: 12,44
